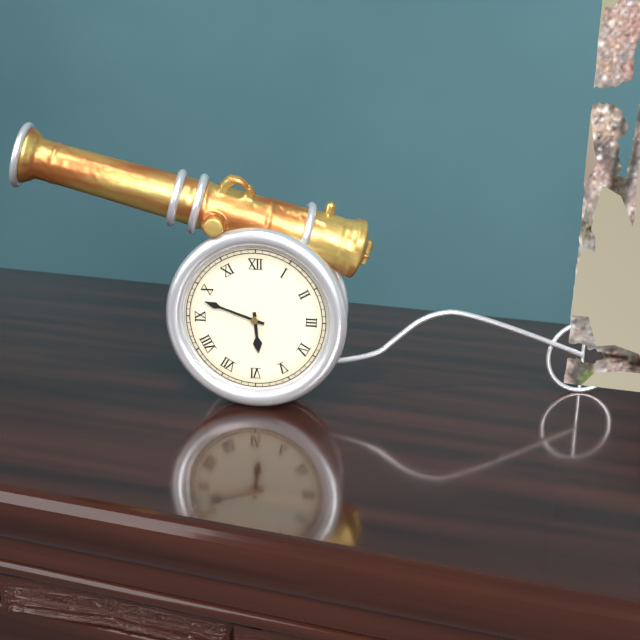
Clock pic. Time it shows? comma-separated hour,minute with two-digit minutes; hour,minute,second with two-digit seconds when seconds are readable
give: 5,48
